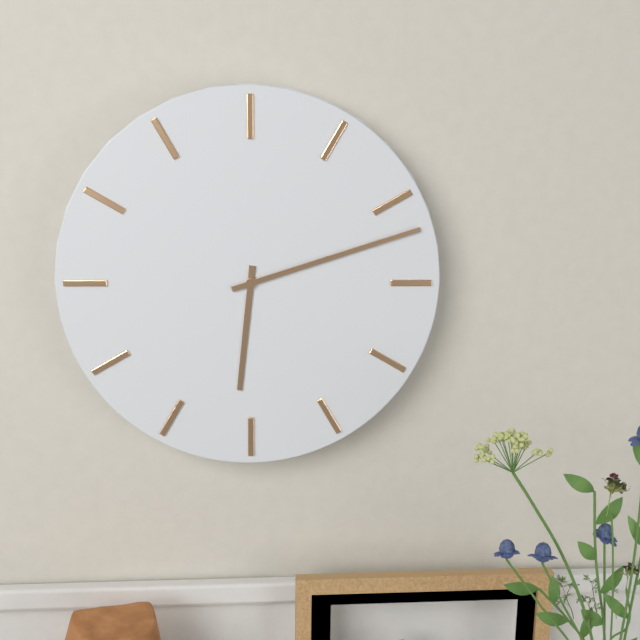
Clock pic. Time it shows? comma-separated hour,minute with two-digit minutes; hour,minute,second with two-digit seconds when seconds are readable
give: 6,12
